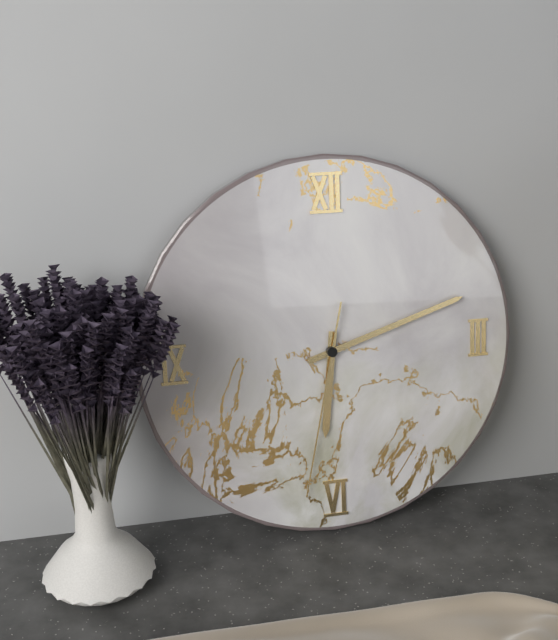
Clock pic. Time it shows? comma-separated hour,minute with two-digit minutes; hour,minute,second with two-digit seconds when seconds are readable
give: 6,12,32
